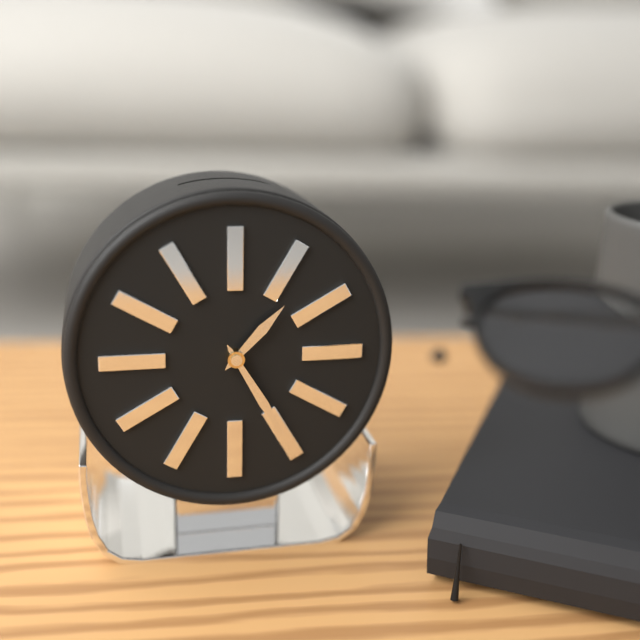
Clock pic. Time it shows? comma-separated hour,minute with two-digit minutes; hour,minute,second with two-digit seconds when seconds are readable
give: 1,25
